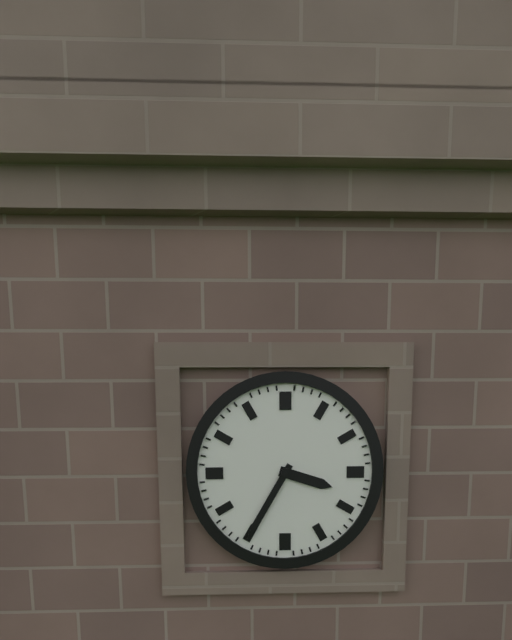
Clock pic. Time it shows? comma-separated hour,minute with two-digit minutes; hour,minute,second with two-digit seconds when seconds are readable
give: 3,35
